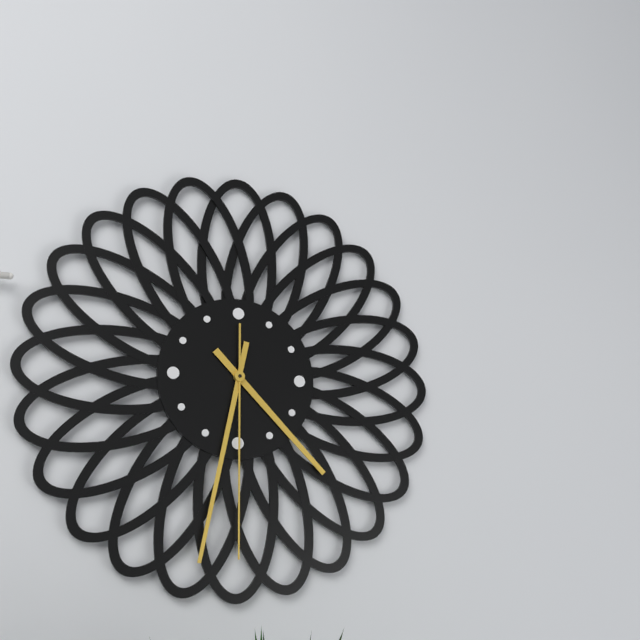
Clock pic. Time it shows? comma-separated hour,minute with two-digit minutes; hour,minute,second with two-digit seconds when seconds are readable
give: 4,32,30
